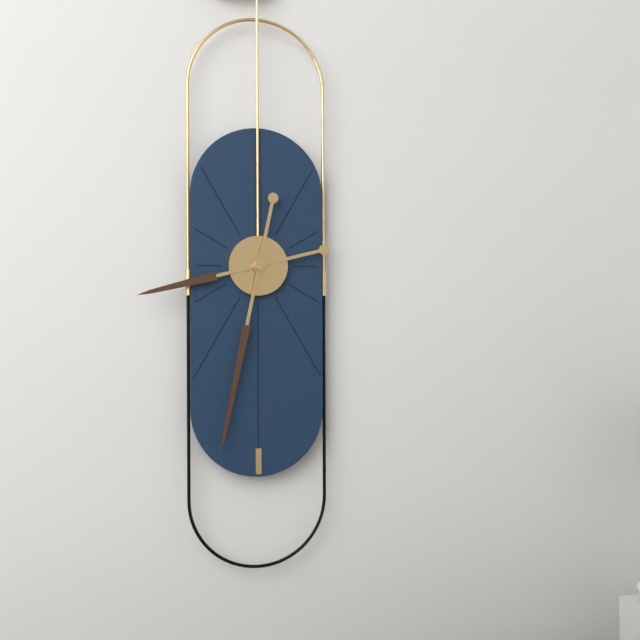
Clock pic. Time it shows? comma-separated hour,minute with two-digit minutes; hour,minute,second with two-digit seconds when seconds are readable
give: 8,32
